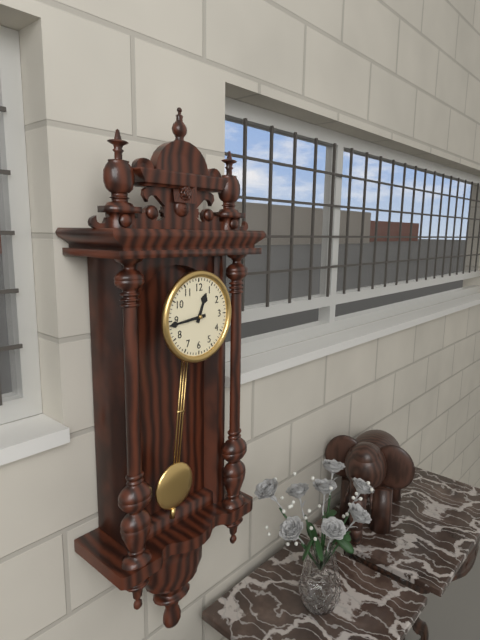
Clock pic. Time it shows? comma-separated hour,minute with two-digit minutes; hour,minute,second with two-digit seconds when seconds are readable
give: 12,44
